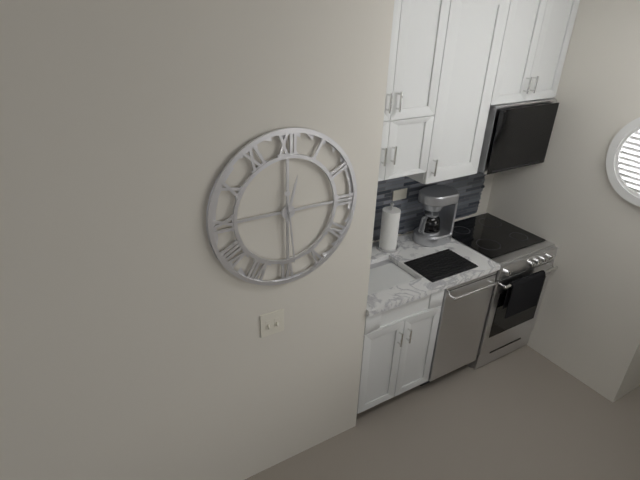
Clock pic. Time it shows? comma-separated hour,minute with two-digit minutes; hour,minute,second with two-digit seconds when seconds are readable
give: 12,29
